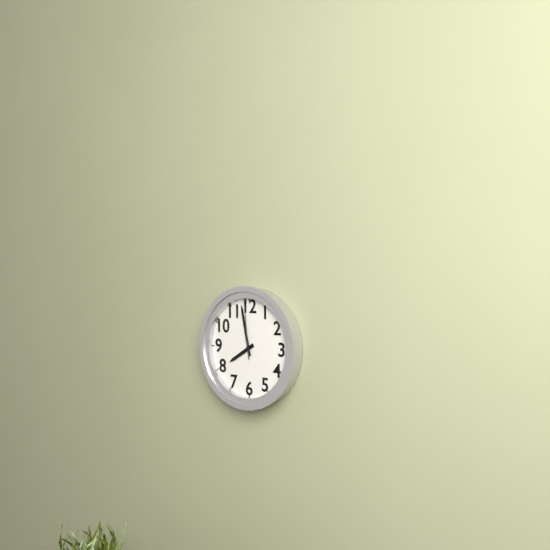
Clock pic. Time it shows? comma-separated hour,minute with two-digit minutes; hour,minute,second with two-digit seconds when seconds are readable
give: 7,58,59
